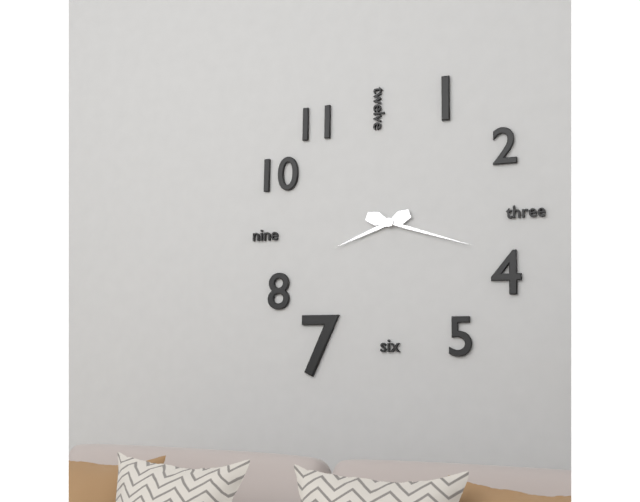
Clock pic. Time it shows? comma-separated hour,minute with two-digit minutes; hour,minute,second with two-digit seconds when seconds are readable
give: 8,18
